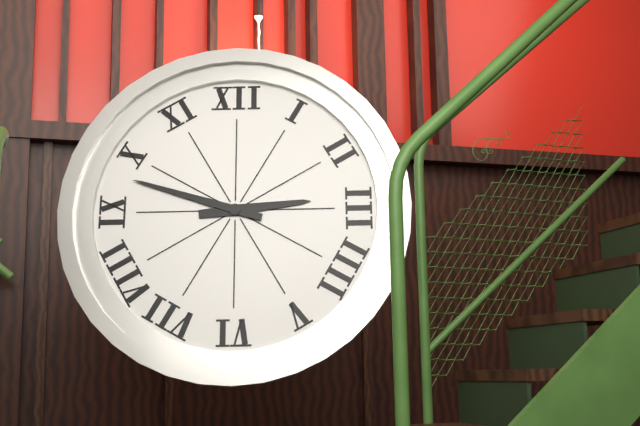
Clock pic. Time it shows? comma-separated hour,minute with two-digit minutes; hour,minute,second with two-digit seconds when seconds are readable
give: 2,48
